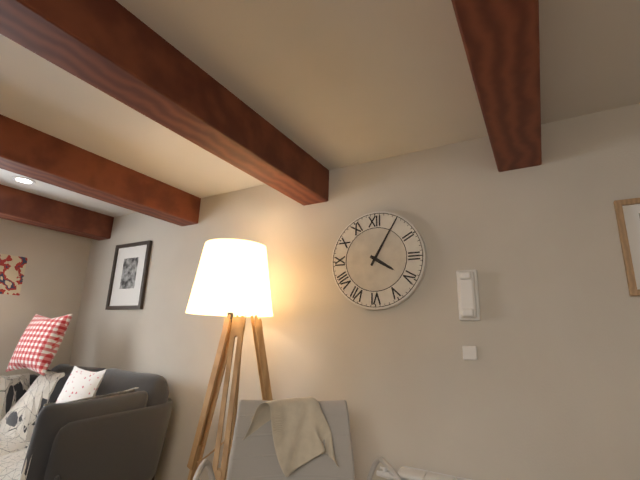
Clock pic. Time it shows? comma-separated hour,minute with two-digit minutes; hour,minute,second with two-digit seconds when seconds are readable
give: 4,05
